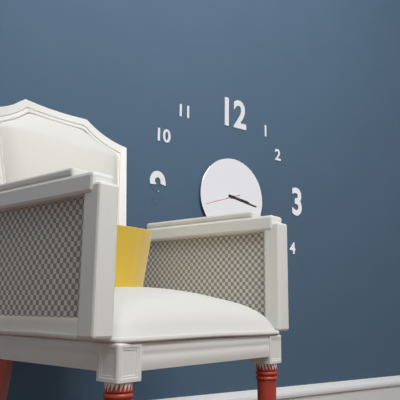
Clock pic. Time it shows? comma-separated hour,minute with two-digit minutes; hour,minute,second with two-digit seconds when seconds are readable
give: 3,17
